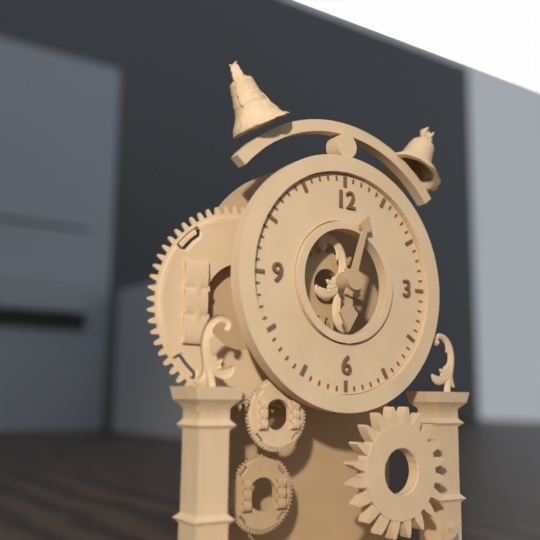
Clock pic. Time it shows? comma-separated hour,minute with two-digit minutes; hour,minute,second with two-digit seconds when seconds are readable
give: 6,03
